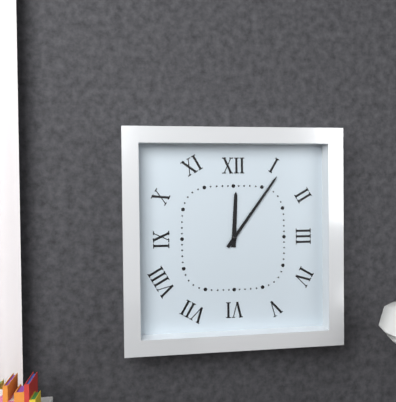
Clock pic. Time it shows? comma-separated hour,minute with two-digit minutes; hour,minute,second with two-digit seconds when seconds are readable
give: 12,06
